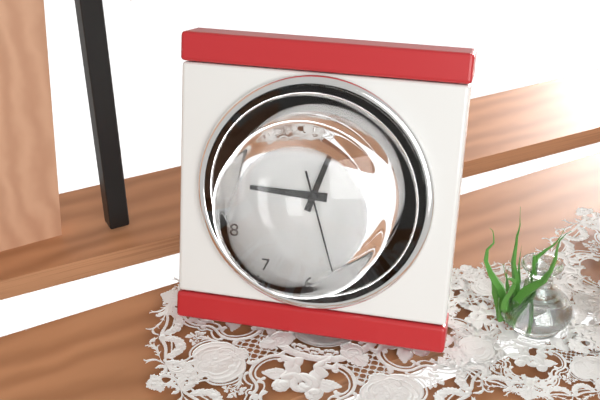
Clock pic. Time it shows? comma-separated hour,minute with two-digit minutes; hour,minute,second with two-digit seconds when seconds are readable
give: 9,03,27
